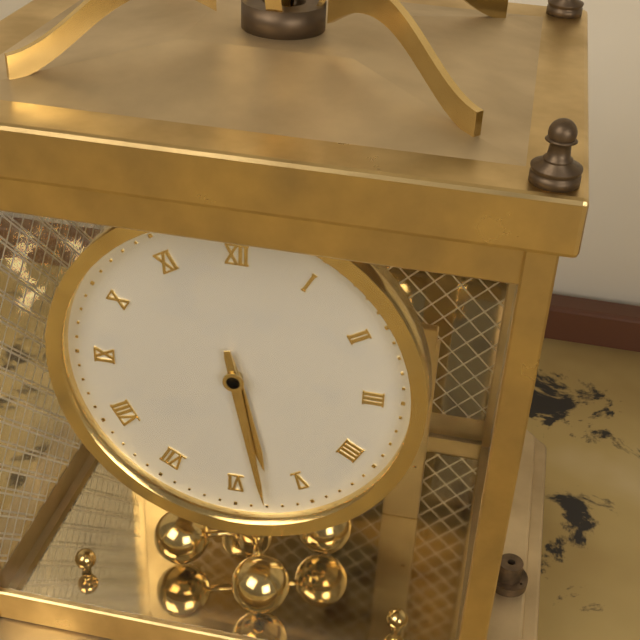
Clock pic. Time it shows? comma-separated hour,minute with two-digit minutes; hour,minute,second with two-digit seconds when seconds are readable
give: 5,28
